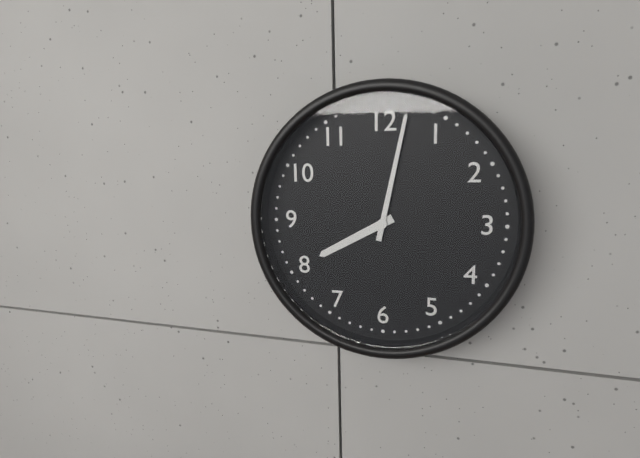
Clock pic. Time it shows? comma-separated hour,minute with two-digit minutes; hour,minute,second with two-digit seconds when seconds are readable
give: 8,02
